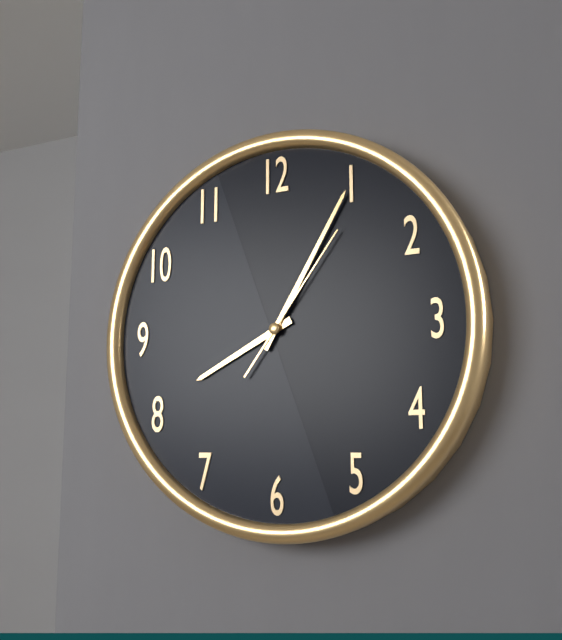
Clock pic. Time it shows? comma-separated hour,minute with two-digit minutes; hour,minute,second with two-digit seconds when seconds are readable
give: 8,05,06
